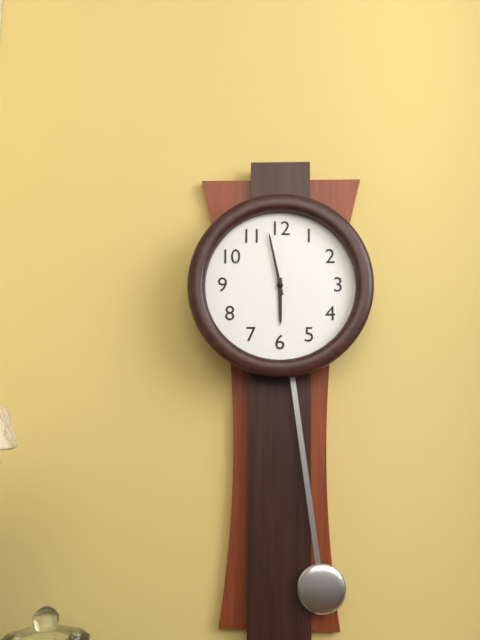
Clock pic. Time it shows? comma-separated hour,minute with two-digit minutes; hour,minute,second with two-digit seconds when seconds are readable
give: 5,58
